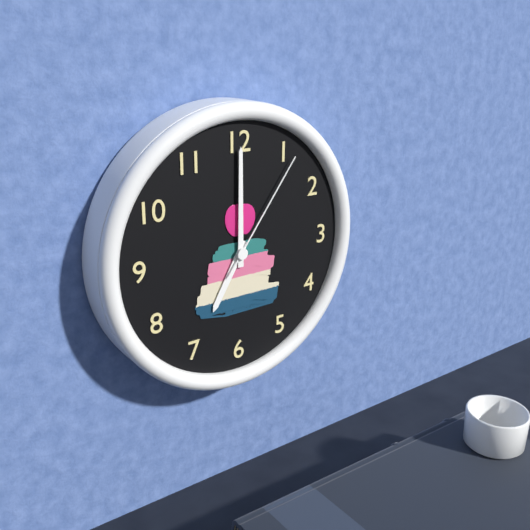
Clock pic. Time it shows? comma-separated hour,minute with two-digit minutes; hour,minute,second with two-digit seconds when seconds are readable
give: 7,00,06
